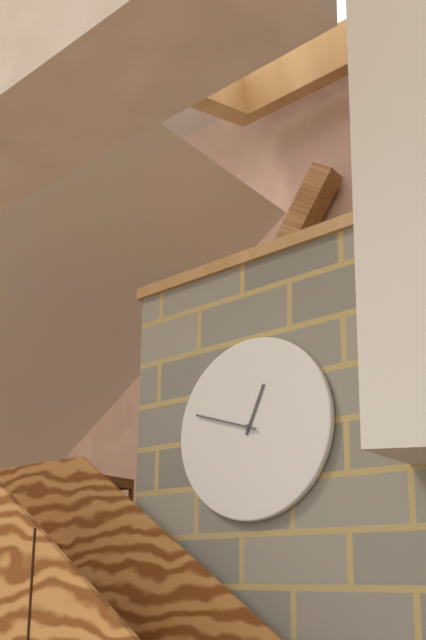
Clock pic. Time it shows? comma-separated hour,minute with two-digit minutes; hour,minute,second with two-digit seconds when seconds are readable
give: 12,48
